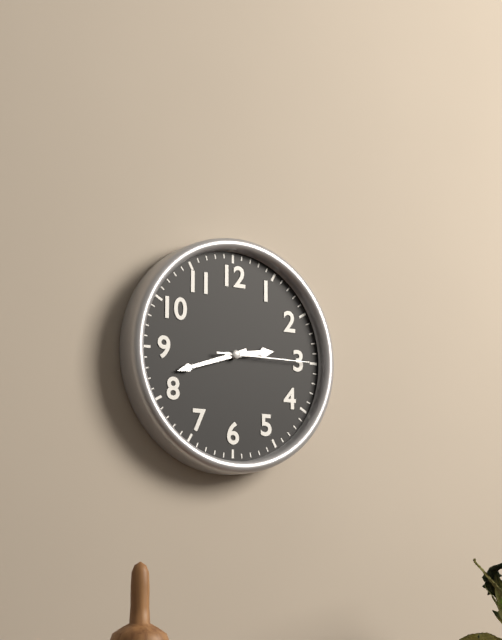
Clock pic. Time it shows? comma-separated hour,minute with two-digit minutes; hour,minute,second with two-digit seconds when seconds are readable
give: 2,42,15
